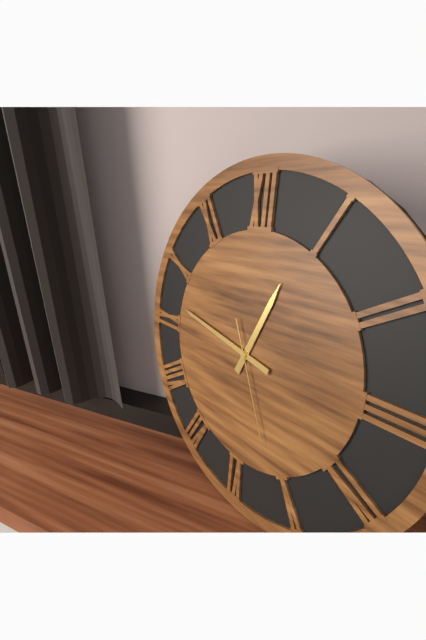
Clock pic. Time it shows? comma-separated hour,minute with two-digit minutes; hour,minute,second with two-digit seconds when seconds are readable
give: 12,47,26
